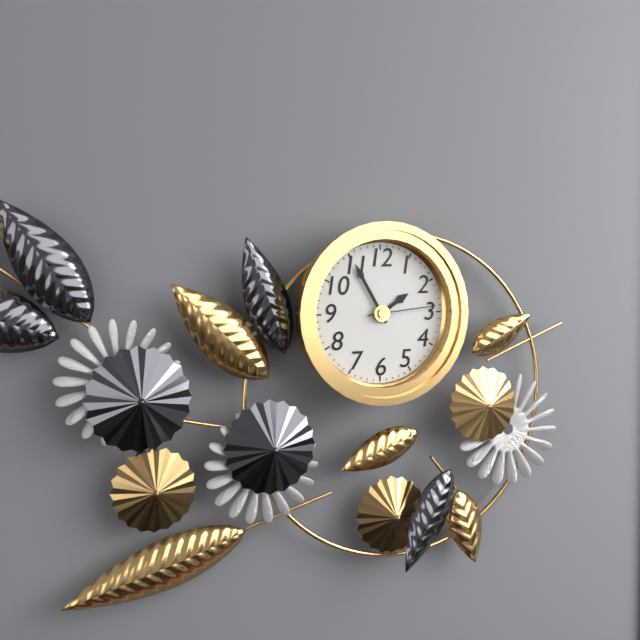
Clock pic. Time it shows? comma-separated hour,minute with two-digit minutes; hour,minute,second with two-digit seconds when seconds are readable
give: 1,55,14
